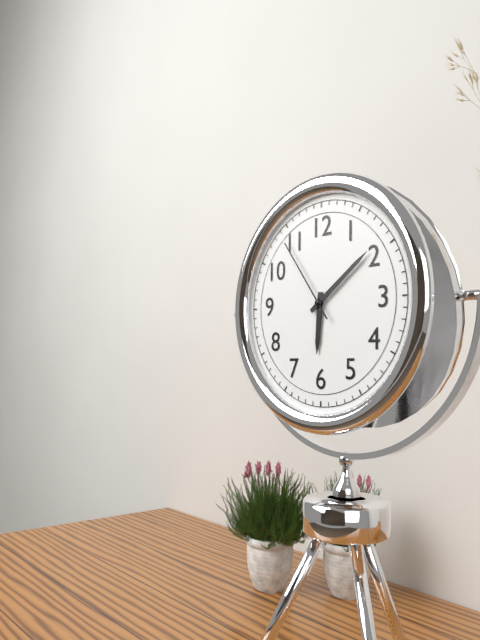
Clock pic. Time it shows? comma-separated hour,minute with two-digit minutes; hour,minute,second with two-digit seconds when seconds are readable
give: 6,09,54
